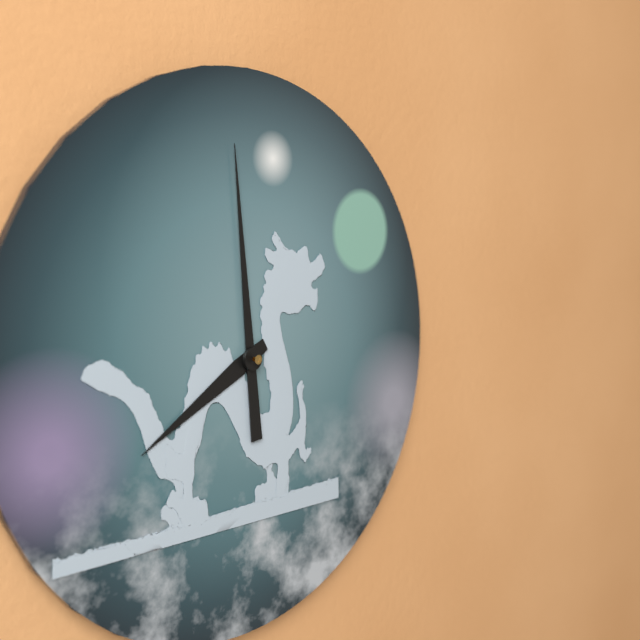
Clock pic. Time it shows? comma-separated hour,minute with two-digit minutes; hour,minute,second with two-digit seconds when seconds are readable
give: 7,59
